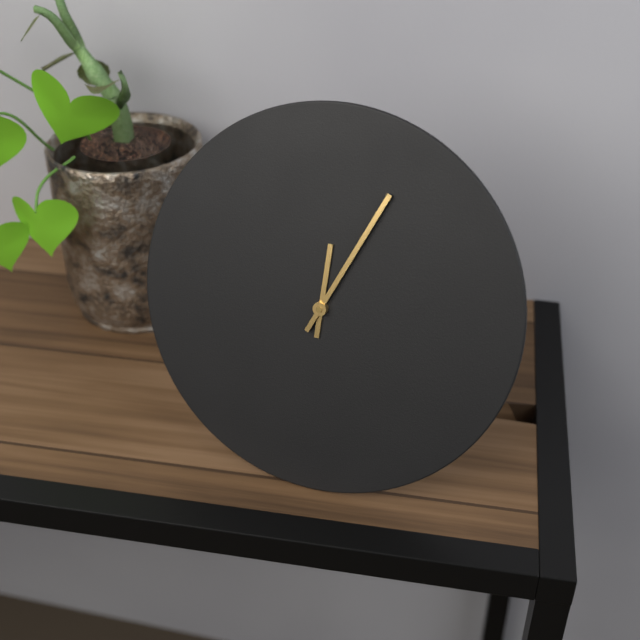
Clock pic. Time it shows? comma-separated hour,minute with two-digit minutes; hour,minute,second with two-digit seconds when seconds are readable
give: 12,04
